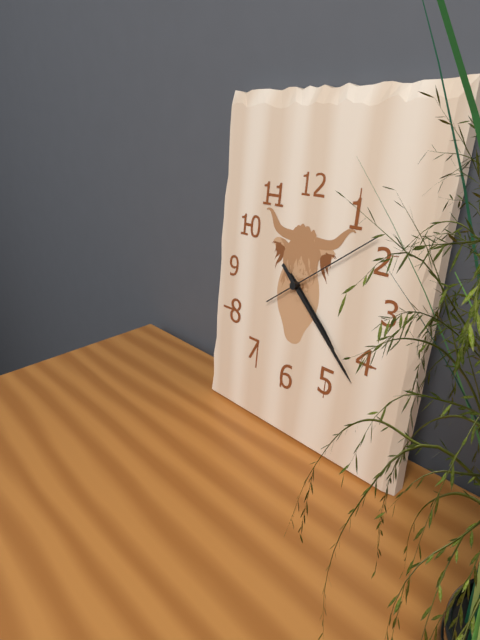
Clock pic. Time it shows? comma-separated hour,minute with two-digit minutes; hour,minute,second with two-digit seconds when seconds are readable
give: 4,22,09
